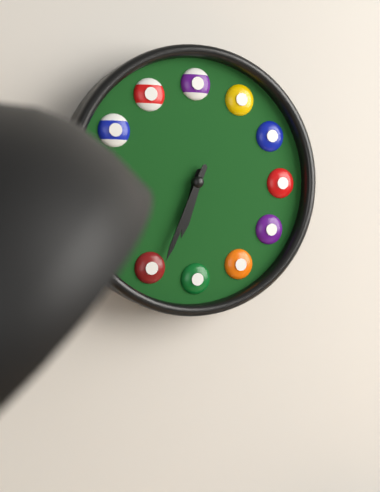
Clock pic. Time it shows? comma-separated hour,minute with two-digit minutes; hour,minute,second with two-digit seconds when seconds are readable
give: 6,34
